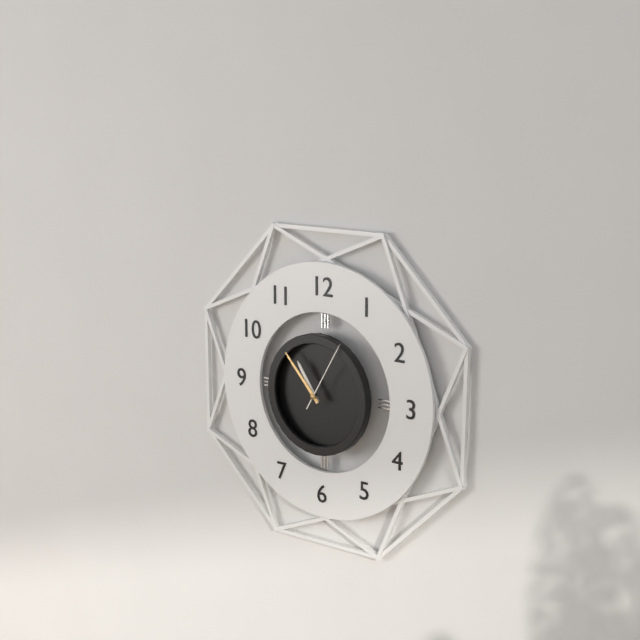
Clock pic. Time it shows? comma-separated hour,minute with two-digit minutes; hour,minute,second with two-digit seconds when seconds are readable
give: 10,53,05
